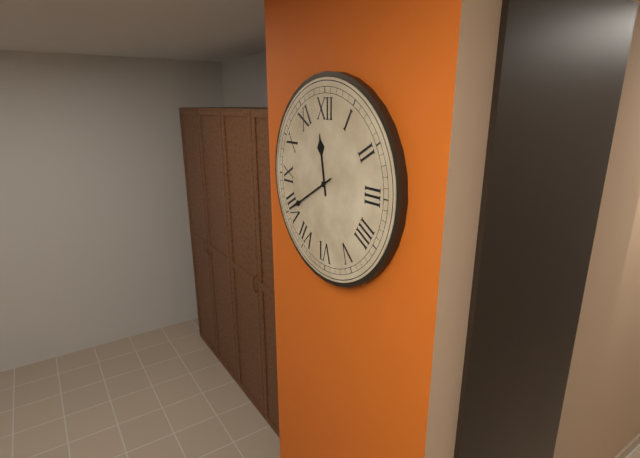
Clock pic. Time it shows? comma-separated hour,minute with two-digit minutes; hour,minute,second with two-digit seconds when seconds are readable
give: 11,40
